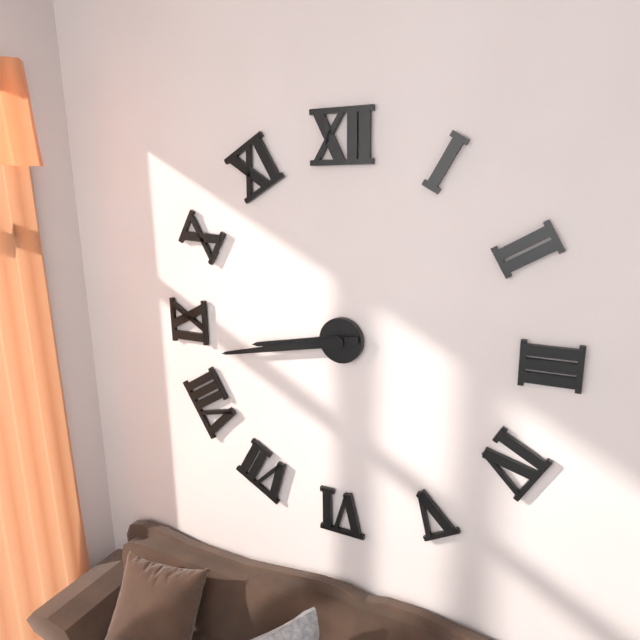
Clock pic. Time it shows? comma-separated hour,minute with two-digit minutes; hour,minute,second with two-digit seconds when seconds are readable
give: 8,43
